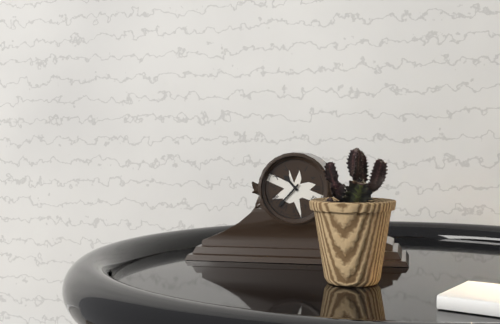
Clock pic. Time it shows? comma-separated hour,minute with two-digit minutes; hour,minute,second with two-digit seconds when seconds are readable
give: 10,37
